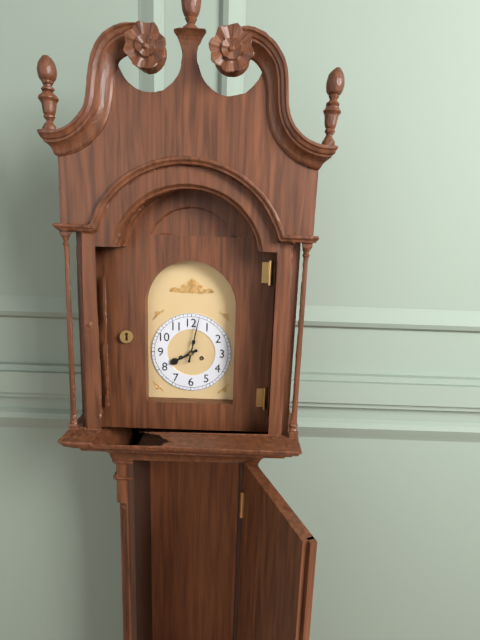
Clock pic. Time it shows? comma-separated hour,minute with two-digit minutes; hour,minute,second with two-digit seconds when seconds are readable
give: 8,02
